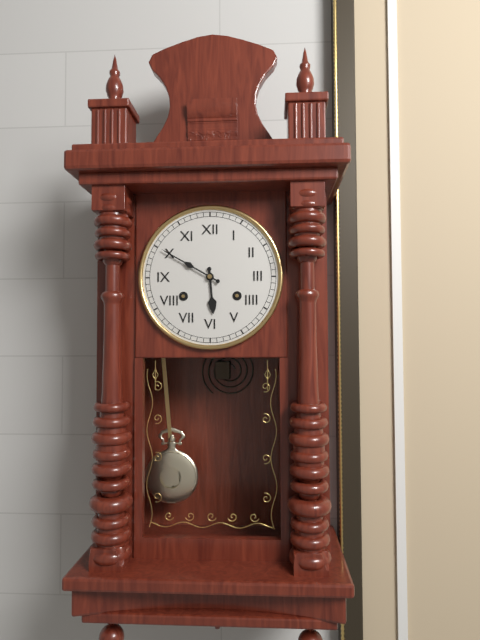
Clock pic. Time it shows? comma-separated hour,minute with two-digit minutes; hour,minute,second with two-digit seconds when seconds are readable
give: 5,50
